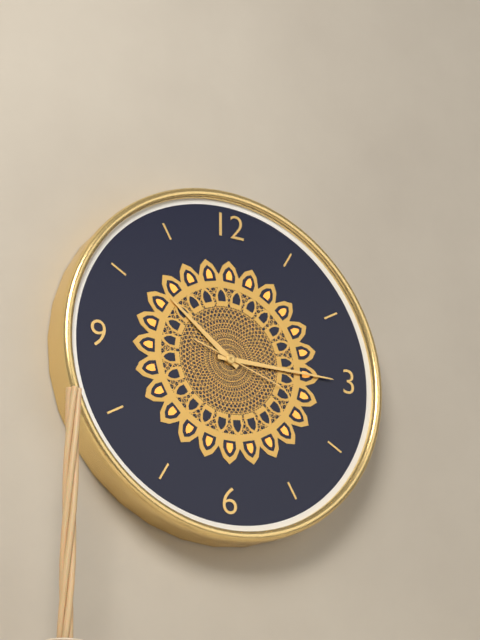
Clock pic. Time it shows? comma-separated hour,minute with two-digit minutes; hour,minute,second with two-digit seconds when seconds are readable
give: 10,15,18
